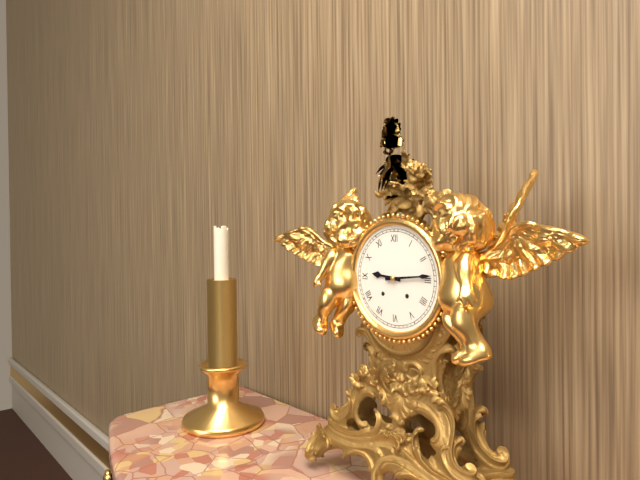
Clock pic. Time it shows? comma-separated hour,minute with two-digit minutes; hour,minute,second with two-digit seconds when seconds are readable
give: 9,14
